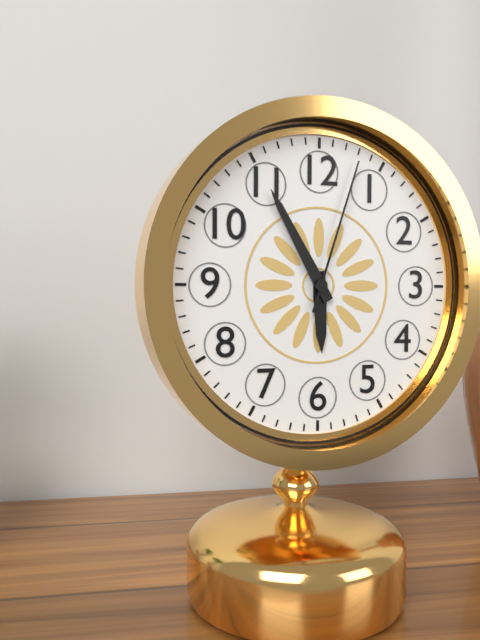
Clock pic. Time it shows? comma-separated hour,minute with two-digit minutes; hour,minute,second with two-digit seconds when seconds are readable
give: 5,55,03
